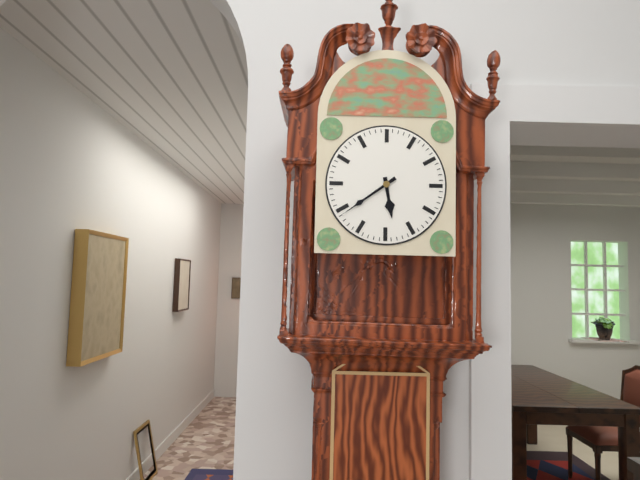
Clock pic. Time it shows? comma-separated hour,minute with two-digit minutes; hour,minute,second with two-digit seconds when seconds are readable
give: 5,39
